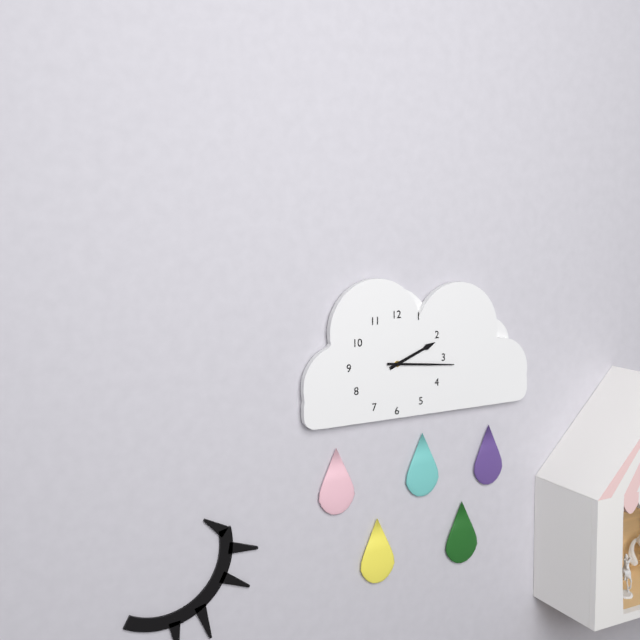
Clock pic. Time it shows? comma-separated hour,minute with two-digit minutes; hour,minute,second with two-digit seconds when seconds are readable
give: 2,16
